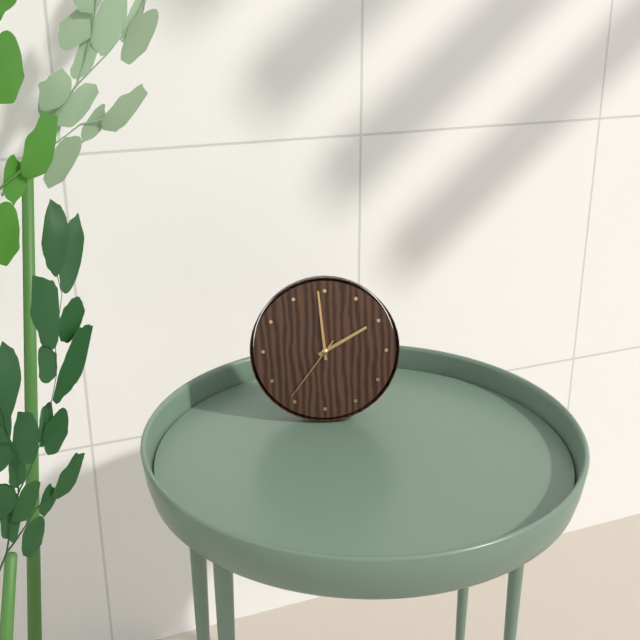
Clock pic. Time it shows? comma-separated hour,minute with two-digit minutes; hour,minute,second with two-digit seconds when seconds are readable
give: 1,59,36
